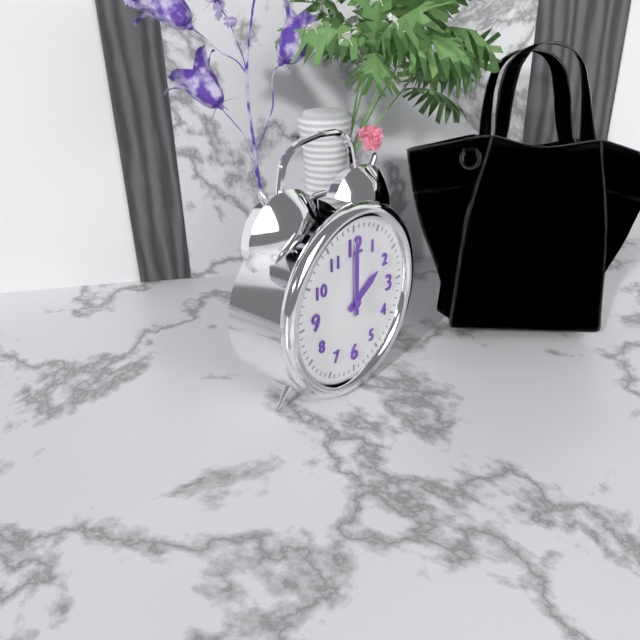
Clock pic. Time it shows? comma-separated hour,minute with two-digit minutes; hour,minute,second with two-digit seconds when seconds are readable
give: 2,00
